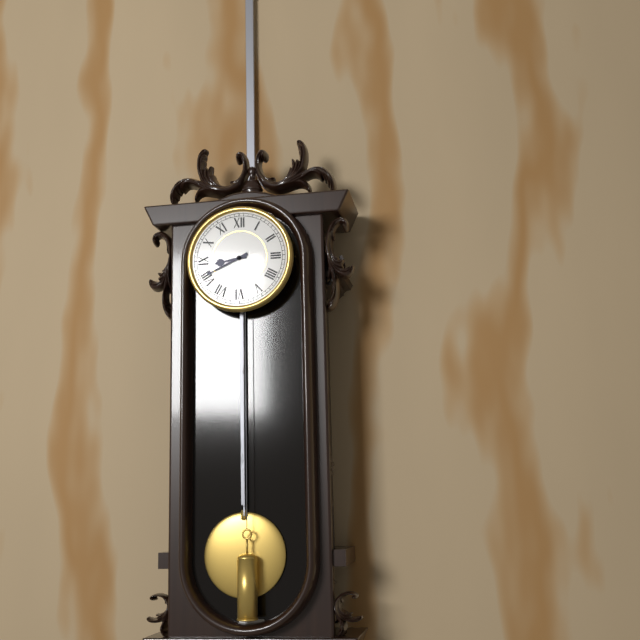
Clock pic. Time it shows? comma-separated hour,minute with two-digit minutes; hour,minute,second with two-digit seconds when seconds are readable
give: 8,41
